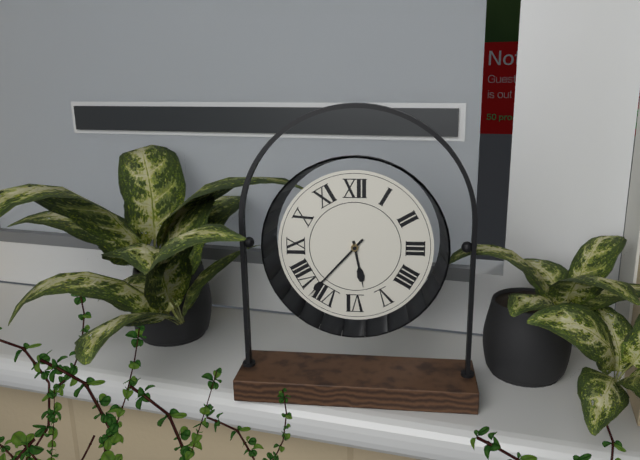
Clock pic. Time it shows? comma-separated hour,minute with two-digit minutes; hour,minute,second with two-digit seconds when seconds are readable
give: 5,37
